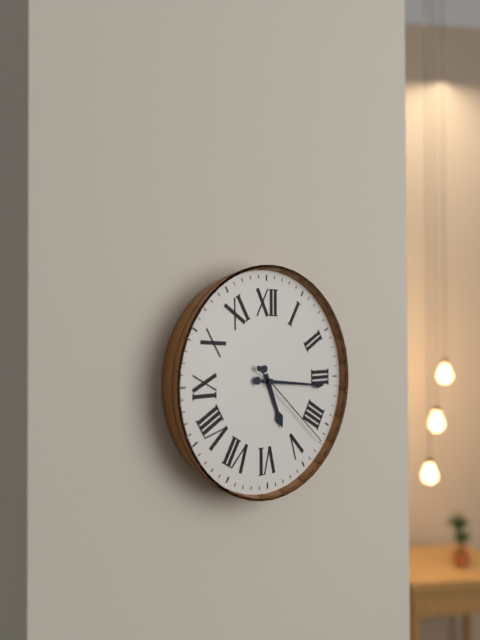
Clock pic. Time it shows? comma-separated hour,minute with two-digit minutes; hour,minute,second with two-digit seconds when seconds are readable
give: 5,16,22
